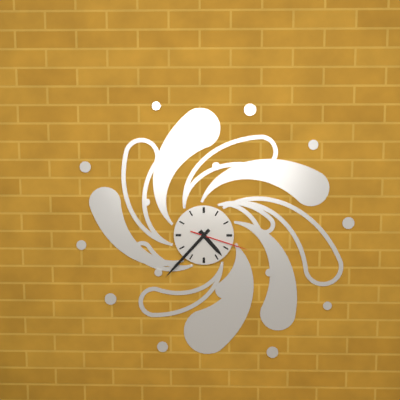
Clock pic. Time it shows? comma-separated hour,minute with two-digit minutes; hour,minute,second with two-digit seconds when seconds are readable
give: 4,37,18
